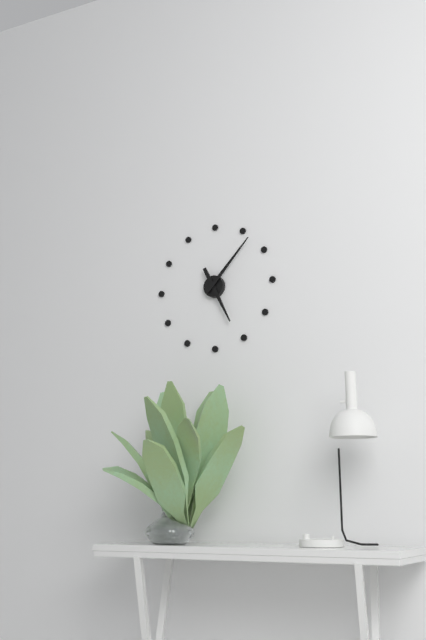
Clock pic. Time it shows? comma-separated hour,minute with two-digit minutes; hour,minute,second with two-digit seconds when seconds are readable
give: 5,07
